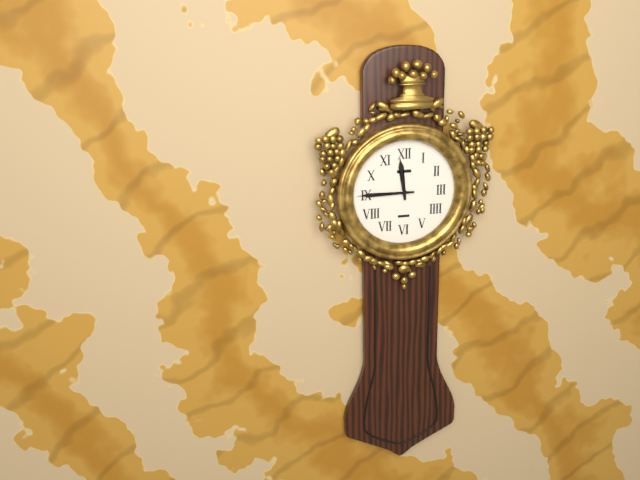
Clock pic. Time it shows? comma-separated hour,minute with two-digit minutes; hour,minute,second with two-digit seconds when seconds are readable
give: 11,45
